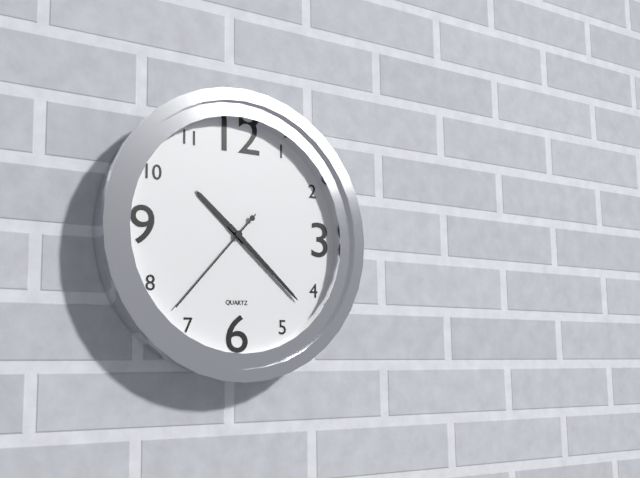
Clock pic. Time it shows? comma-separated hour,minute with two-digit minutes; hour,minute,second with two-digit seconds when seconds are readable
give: 10,22,37
